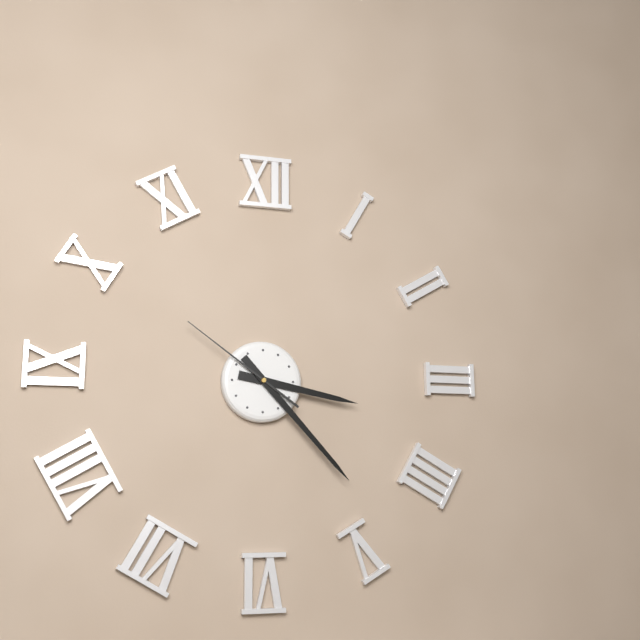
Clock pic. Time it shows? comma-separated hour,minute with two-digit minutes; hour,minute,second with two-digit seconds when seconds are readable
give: 3,23,51
